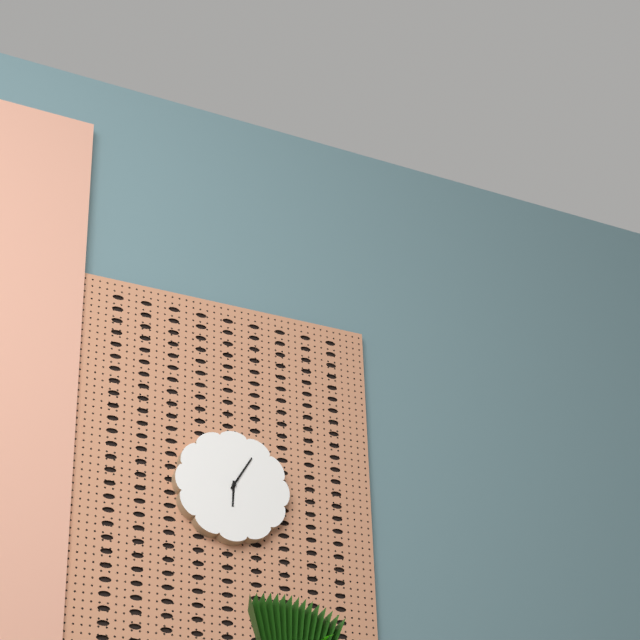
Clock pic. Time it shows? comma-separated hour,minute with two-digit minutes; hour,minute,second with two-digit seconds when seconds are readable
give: 6,05
